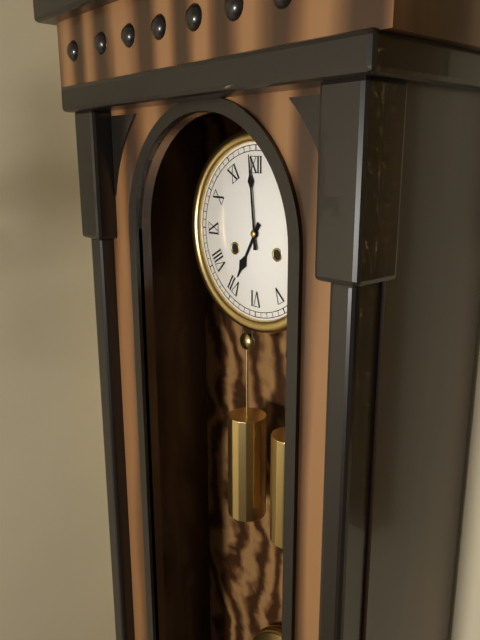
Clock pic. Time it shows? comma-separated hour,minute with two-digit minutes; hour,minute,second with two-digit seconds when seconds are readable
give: 6,59
